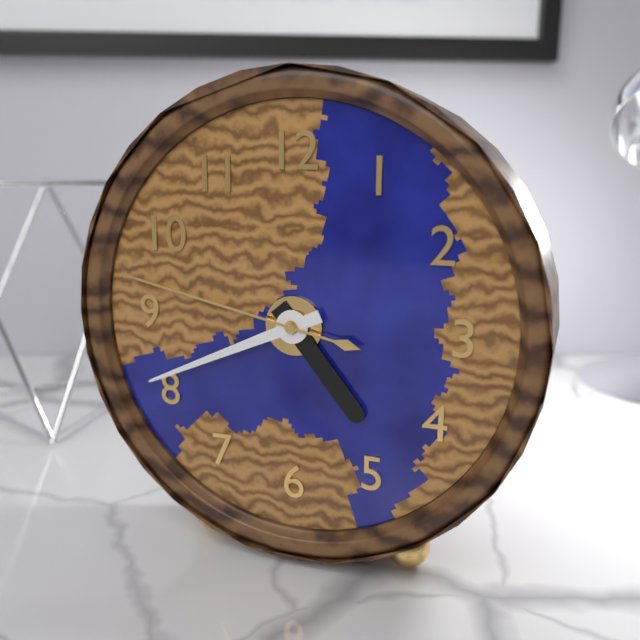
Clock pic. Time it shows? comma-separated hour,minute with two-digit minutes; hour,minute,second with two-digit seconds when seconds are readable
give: 4,41,47
